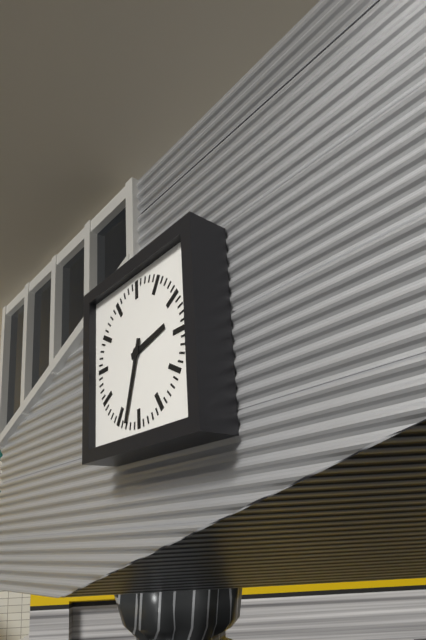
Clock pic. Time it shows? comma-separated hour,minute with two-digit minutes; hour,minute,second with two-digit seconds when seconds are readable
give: 2,33
